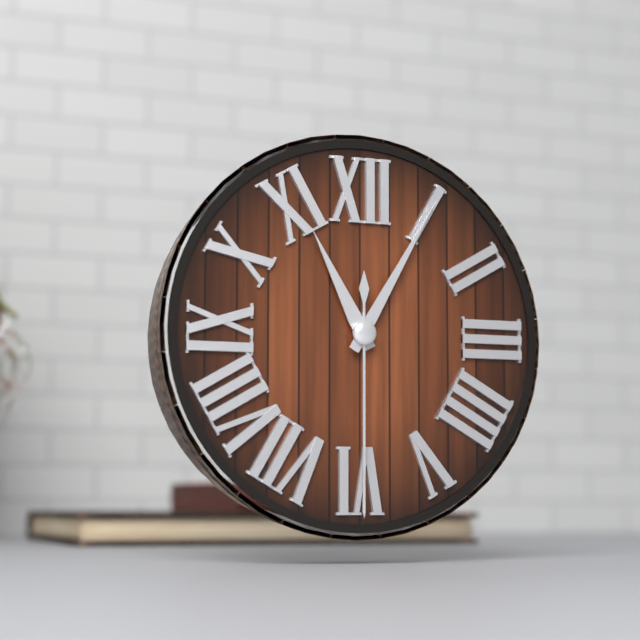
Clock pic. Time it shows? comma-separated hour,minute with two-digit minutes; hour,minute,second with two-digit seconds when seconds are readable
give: 11,05,30
